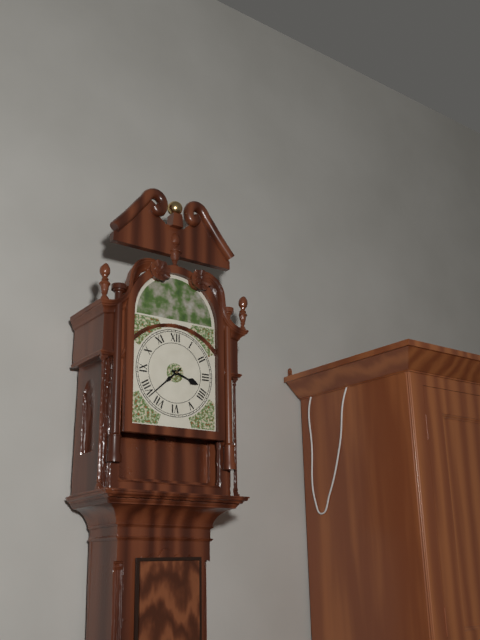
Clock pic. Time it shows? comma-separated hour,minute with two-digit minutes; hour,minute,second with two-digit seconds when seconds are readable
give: 3,38
